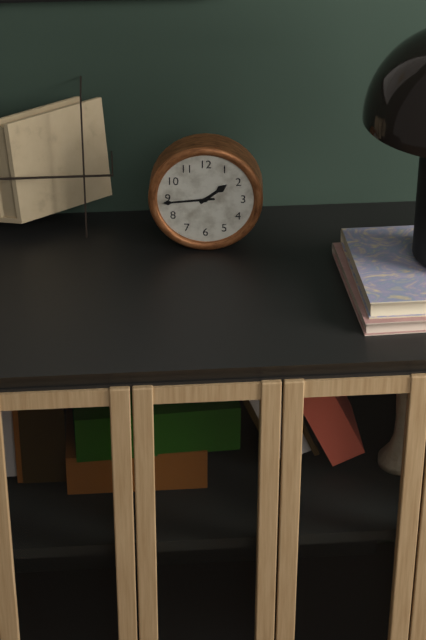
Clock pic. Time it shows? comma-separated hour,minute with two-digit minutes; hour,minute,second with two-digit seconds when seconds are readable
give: 1,44
